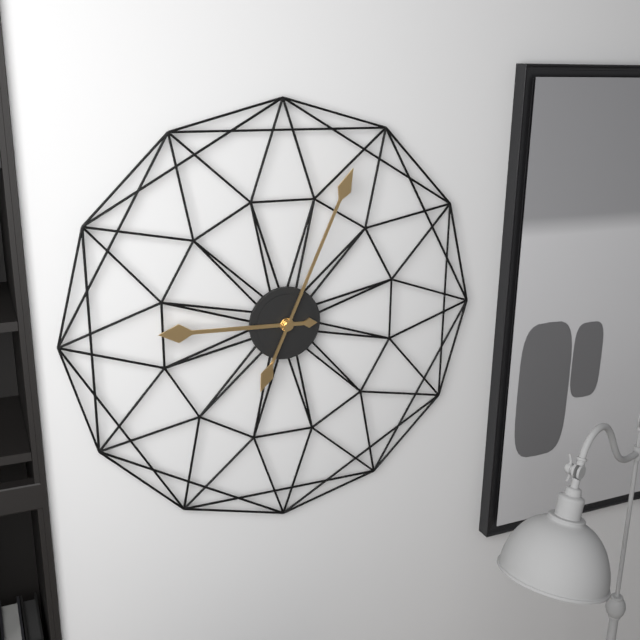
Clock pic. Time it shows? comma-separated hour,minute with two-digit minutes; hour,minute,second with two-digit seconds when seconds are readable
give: 9,04
